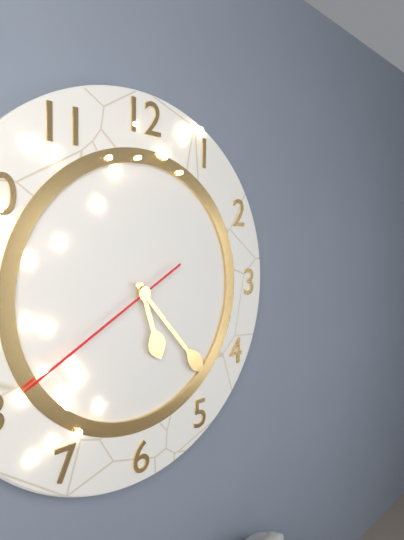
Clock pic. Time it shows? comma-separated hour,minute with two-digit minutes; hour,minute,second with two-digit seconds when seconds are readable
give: 5,23,40
